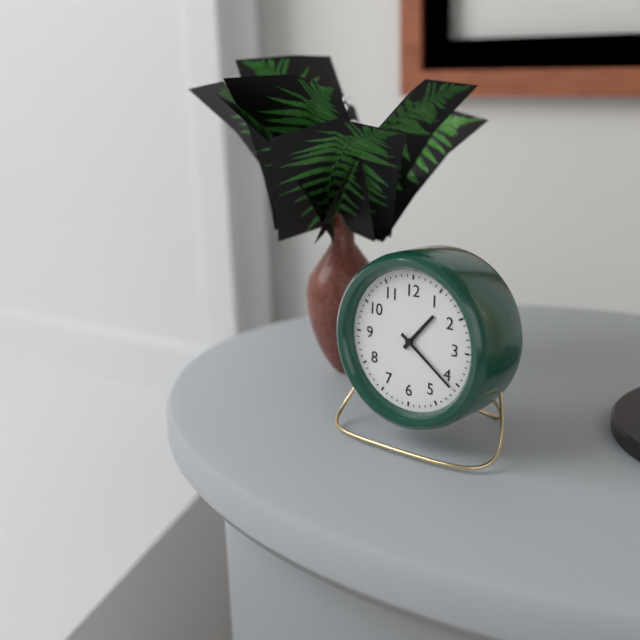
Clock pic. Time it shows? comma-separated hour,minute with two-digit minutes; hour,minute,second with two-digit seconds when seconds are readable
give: 1,21
